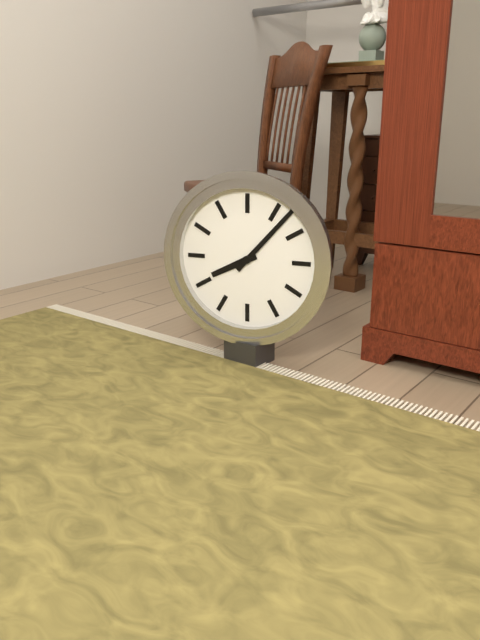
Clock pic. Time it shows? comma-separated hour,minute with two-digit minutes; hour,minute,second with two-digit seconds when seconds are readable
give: 8,07
